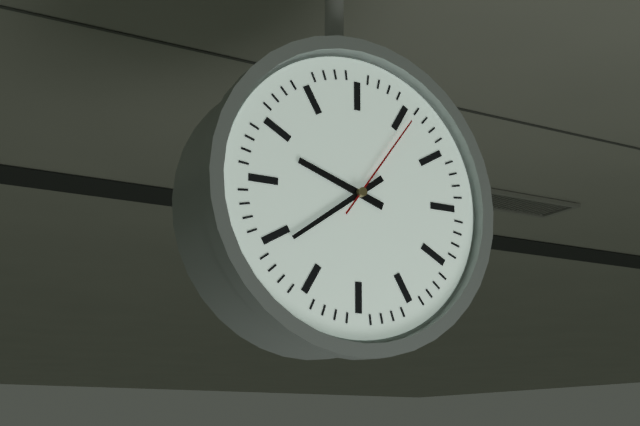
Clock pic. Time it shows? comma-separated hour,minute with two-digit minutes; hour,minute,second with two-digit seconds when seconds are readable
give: 9,39,06
